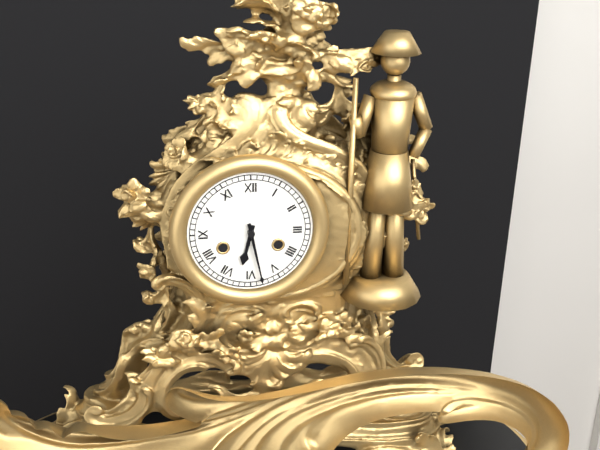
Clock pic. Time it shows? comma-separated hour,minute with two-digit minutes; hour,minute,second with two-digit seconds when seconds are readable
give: 6,28
